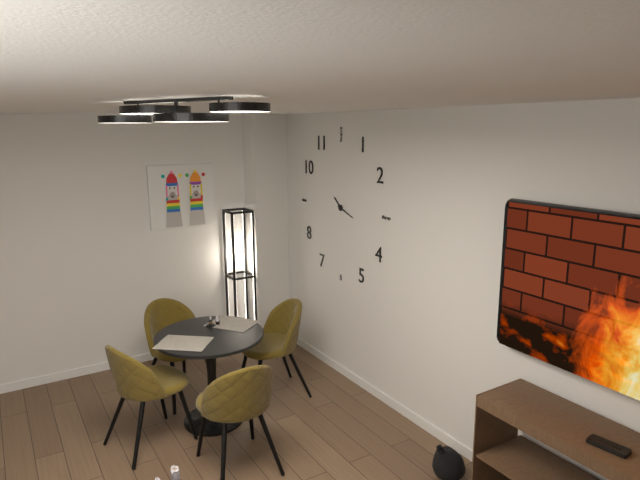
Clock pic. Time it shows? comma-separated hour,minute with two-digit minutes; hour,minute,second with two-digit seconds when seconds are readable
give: 10,18
